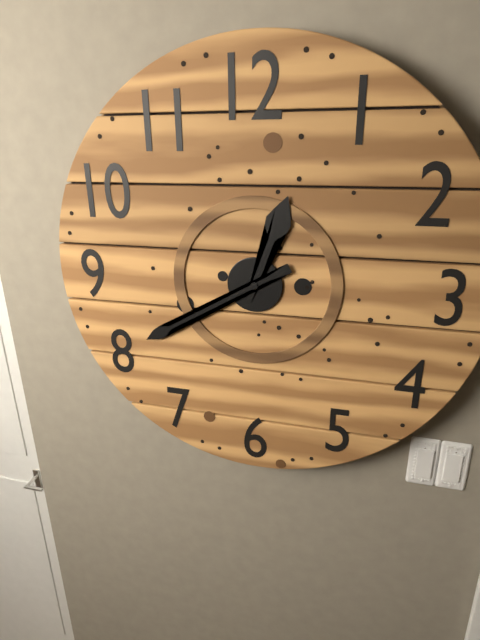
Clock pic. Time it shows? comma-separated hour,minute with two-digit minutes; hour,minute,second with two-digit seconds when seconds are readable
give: 12,40
